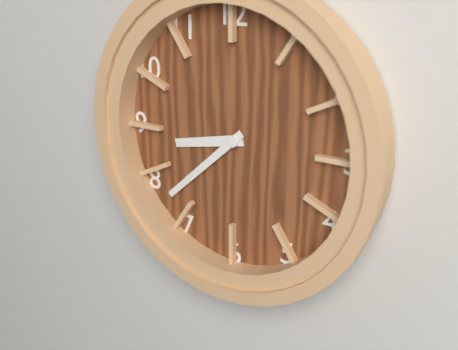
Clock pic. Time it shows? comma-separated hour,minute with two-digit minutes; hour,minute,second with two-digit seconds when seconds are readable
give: 8,38
